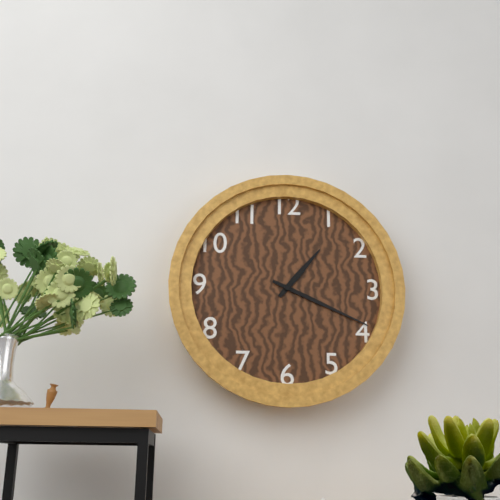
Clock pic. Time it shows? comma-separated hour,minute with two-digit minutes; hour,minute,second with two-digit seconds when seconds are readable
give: 1,19
